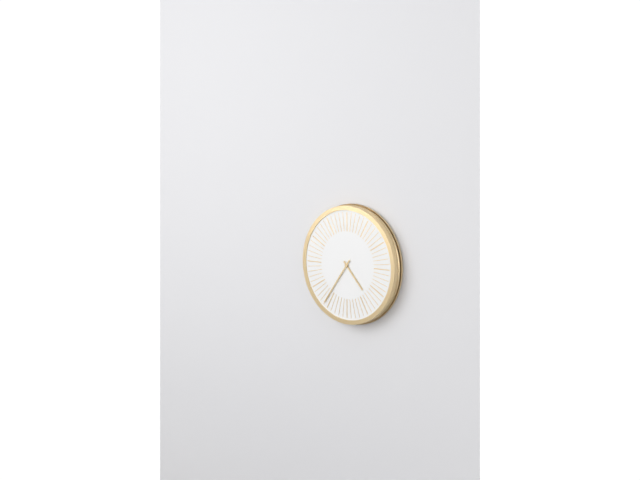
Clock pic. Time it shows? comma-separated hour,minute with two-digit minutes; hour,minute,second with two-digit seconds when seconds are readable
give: 4,36
